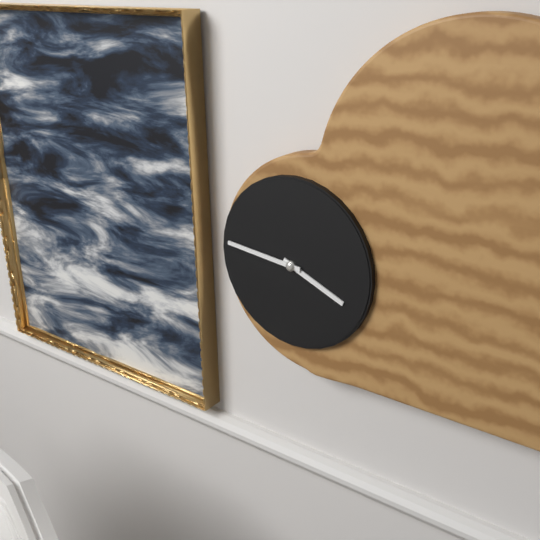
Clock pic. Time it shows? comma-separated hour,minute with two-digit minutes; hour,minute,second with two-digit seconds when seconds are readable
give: 3,46
